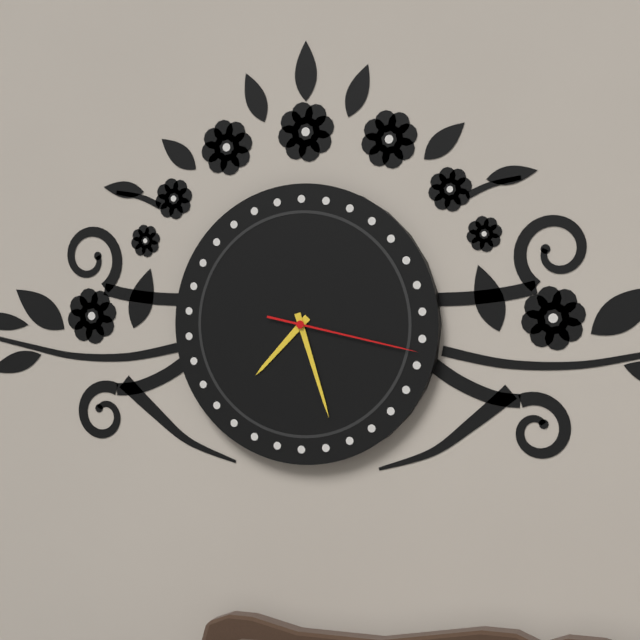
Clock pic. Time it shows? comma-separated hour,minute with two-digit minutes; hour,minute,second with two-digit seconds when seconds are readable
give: 7,27,17
